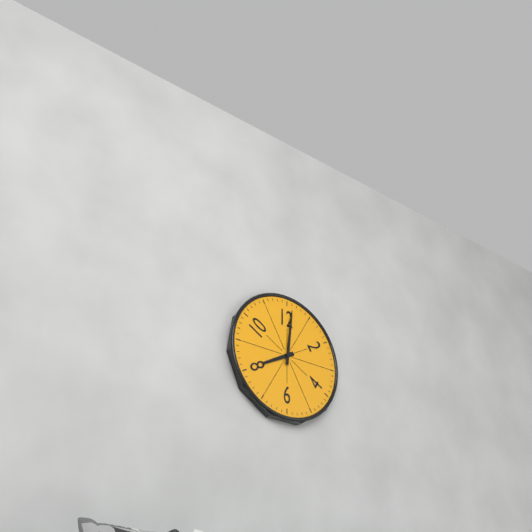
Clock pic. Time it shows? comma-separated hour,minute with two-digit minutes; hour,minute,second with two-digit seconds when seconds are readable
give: 8,01
